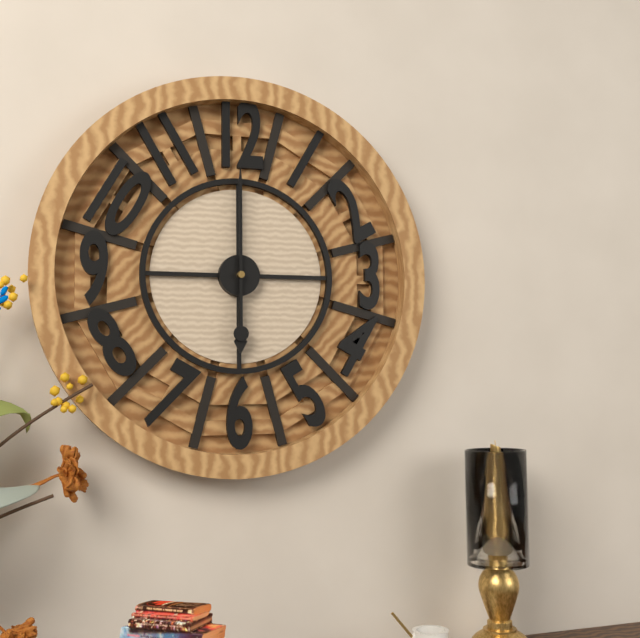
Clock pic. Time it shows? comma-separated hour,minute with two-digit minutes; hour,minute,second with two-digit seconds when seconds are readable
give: 6,00
